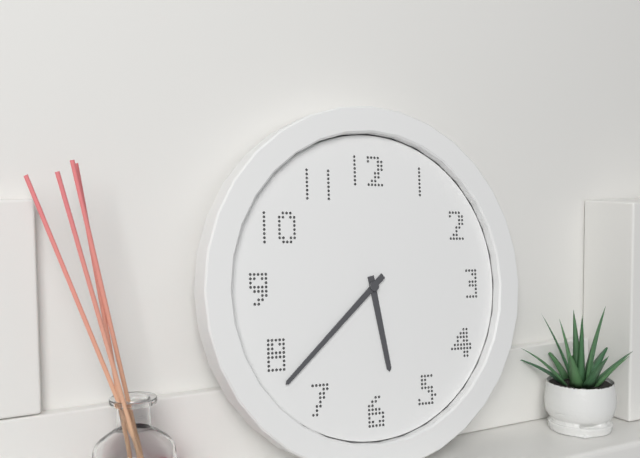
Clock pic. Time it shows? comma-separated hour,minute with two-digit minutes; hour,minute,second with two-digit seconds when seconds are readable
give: 5,38
